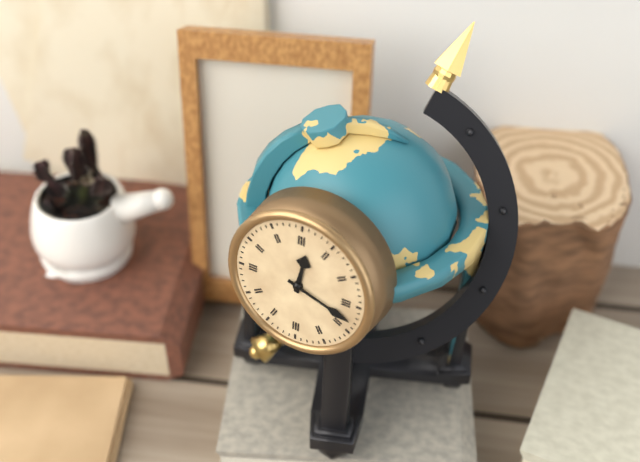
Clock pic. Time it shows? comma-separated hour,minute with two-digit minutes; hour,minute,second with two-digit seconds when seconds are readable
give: 12,18
